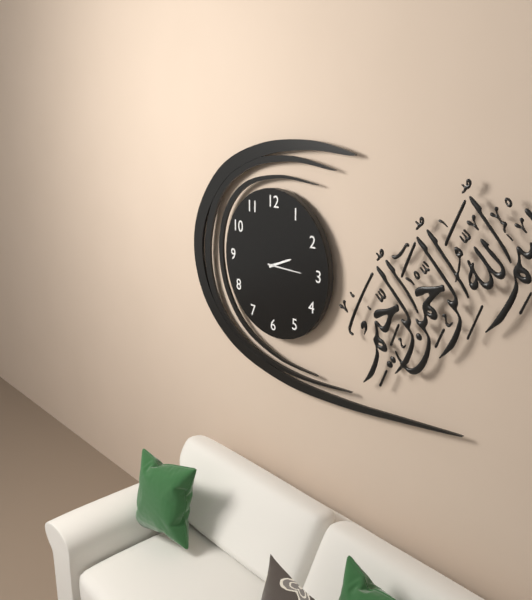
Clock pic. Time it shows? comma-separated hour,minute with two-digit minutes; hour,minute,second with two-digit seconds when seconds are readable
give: 2,15
